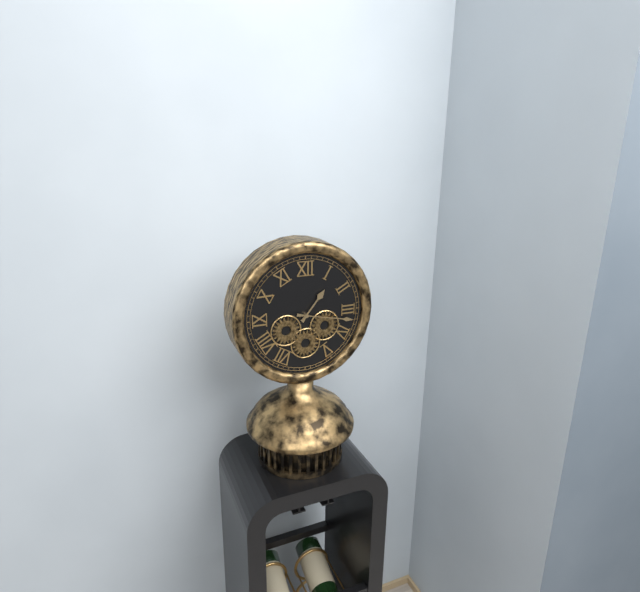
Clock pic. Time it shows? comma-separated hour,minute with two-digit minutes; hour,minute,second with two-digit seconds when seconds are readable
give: 1,17
